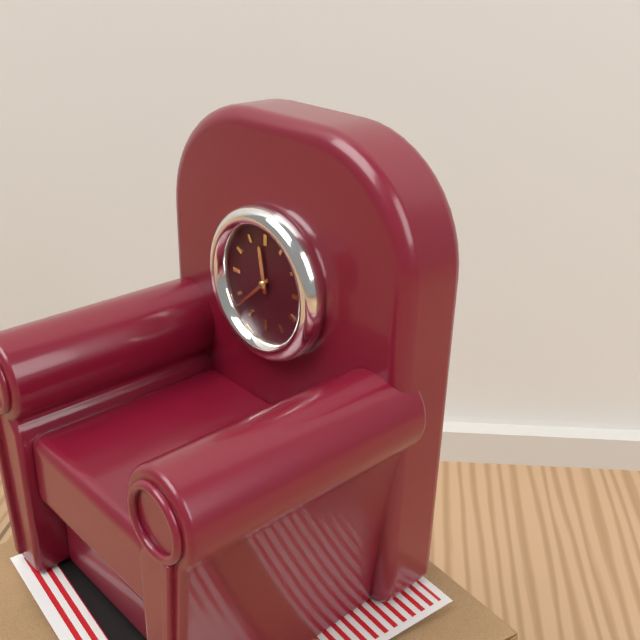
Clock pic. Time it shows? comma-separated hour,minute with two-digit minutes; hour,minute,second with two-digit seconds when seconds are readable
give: 11,38
